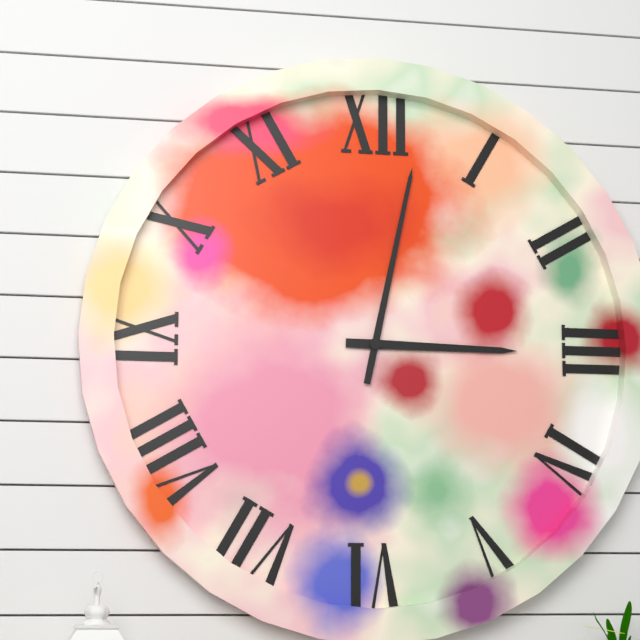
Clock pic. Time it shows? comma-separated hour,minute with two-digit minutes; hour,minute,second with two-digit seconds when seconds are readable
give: 3,02
